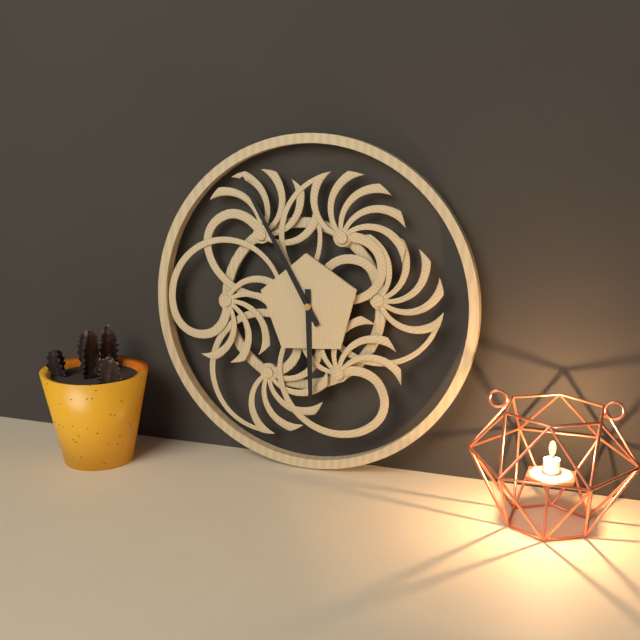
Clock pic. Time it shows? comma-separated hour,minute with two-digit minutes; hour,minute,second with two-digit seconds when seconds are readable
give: 5,55
